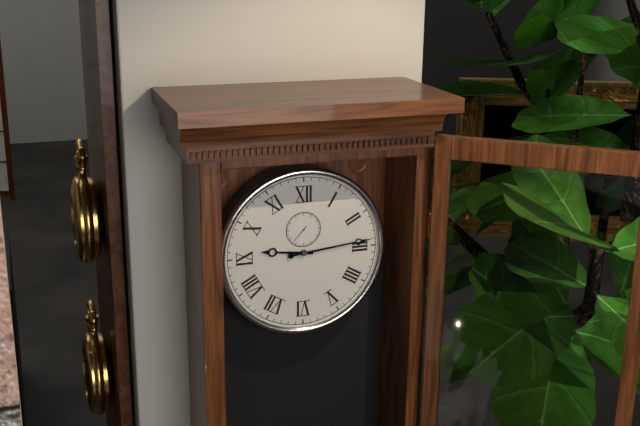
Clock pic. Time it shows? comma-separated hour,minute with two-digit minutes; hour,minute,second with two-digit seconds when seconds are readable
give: 9,14
